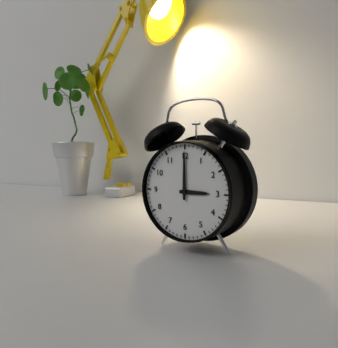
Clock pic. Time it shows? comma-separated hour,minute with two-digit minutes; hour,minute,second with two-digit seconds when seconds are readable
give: 3,00
